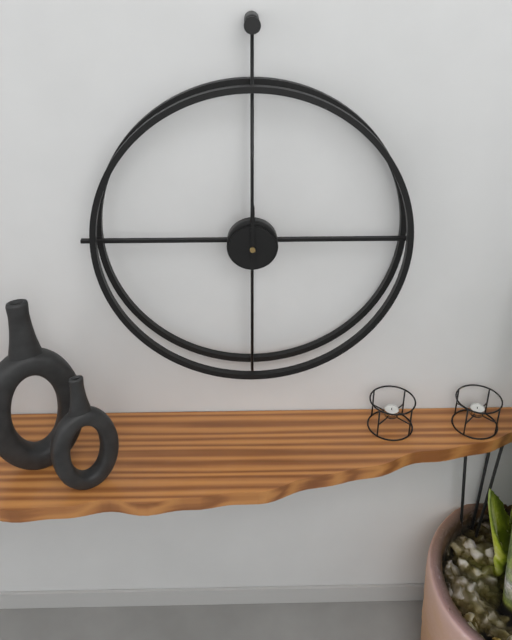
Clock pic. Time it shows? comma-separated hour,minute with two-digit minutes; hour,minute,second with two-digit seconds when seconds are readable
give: 12,00
